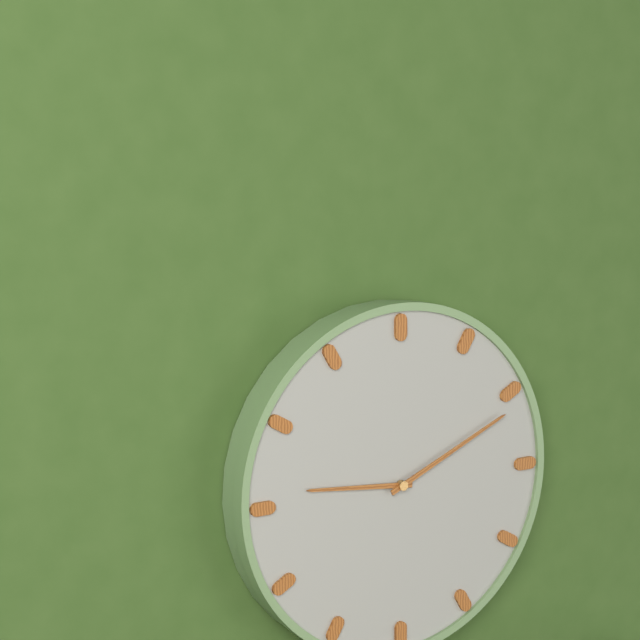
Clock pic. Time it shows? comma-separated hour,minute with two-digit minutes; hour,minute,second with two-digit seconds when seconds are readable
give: 9,11
